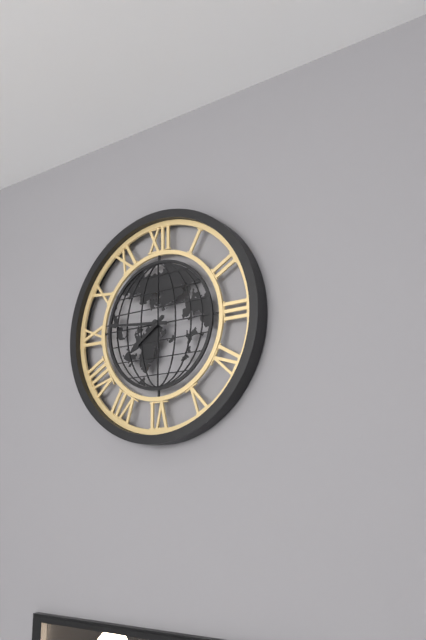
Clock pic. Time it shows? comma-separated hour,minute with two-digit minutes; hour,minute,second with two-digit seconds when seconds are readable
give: 7,46
